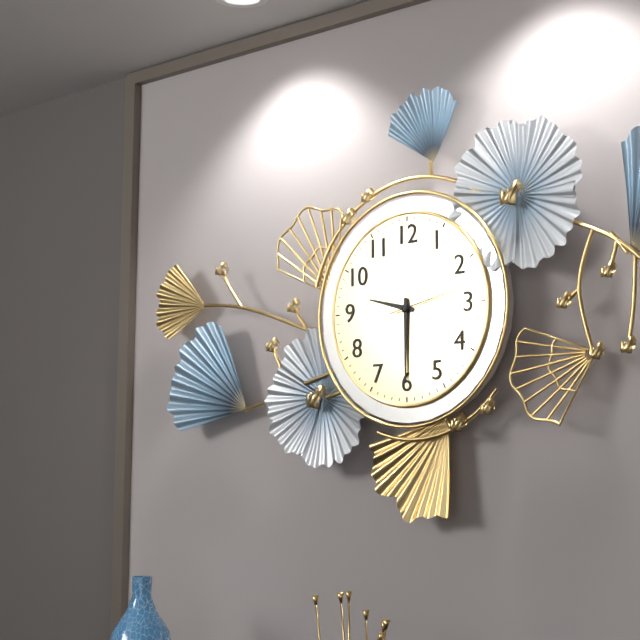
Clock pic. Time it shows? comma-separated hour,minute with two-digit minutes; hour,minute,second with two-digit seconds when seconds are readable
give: 9,30,13
